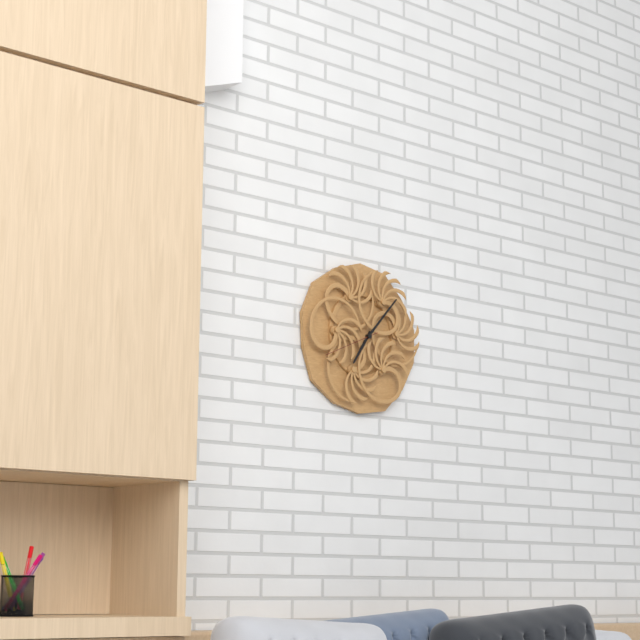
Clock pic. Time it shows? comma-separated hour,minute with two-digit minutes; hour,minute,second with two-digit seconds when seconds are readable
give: 7,07,41
